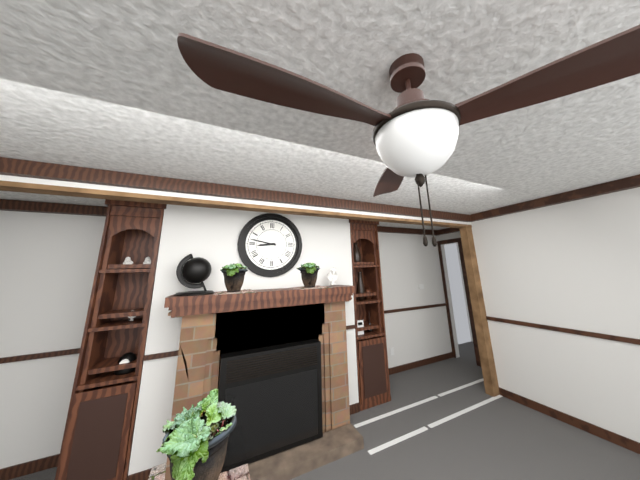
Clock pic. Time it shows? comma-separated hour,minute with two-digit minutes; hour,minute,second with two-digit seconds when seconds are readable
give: 8,47
